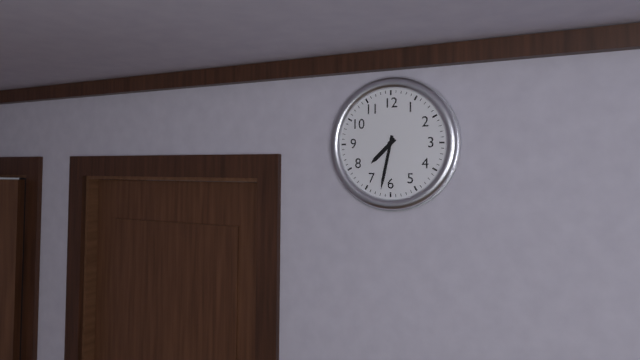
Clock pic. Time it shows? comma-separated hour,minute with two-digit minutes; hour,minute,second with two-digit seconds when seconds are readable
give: 7,32
